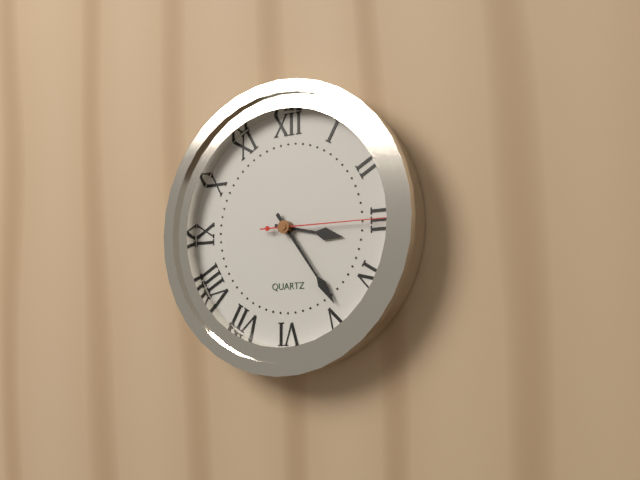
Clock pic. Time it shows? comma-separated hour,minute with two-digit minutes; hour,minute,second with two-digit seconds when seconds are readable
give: 3,24,15
